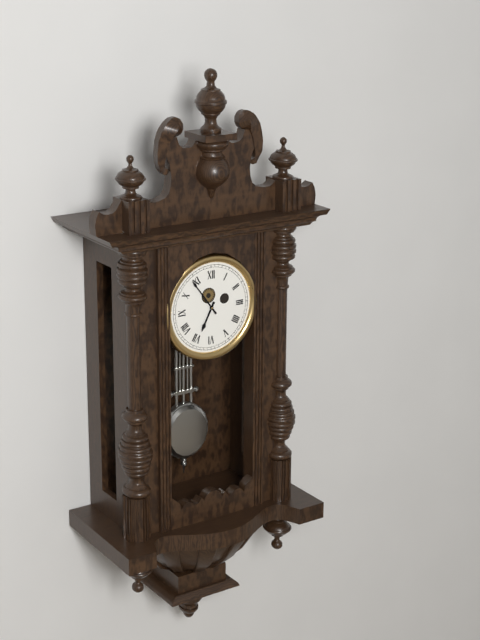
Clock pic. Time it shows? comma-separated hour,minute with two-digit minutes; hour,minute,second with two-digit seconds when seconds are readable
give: 6,54
